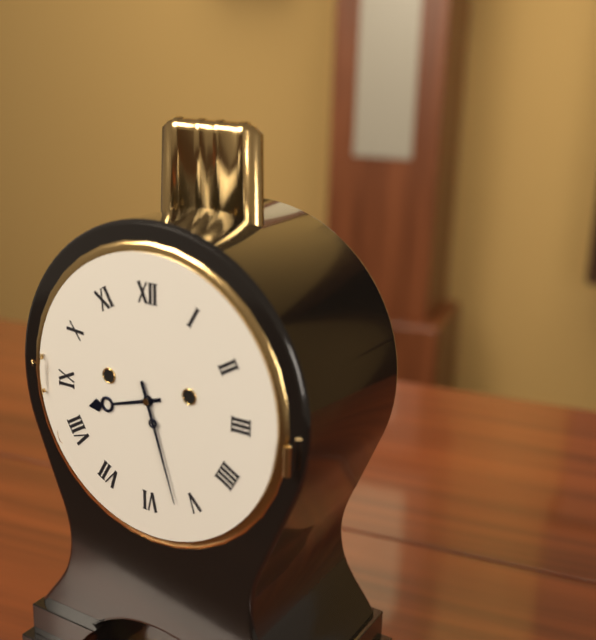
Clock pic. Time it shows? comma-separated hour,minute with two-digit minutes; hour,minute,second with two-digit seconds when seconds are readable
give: 8,27
